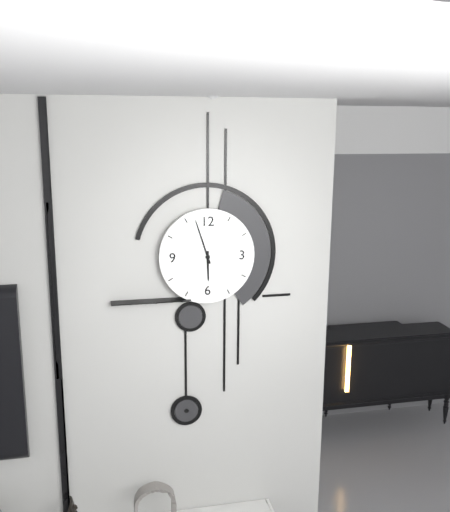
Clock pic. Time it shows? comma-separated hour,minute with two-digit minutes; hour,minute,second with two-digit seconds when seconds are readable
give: 5,57
